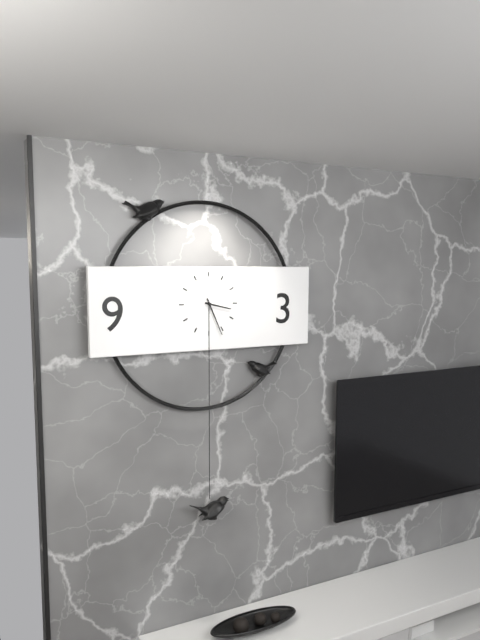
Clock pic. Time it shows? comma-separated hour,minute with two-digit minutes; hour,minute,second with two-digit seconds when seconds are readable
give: 3,26
